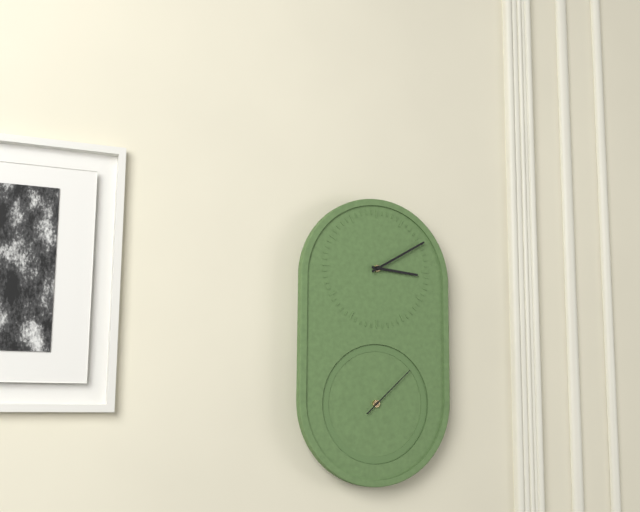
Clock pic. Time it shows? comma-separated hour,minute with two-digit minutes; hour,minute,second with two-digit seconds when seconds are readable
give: 3,10,08
